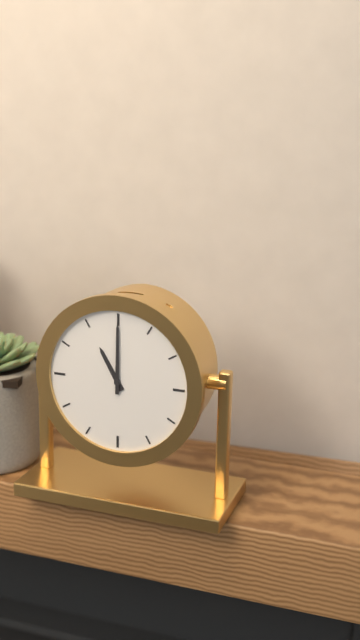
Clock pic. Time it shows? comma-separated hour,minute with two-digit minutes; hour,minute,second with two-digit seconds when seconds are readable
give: 11,00
